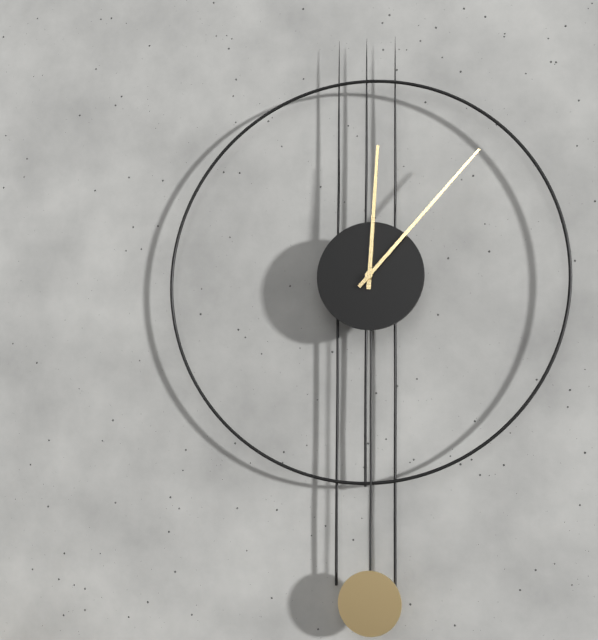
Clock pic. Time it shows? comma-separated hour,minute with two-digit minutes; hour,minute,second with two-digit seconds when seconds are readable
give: 12,07
